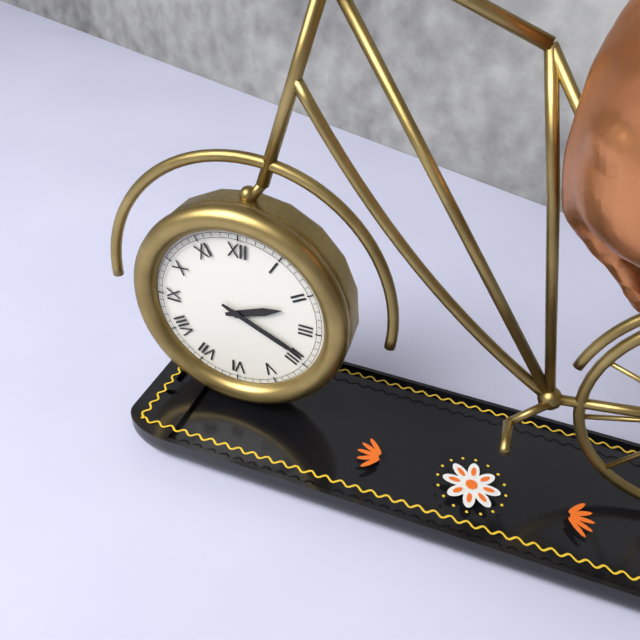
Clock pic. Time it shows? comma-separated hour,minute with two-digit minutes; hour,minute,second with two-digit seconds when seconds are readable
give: 2,19
